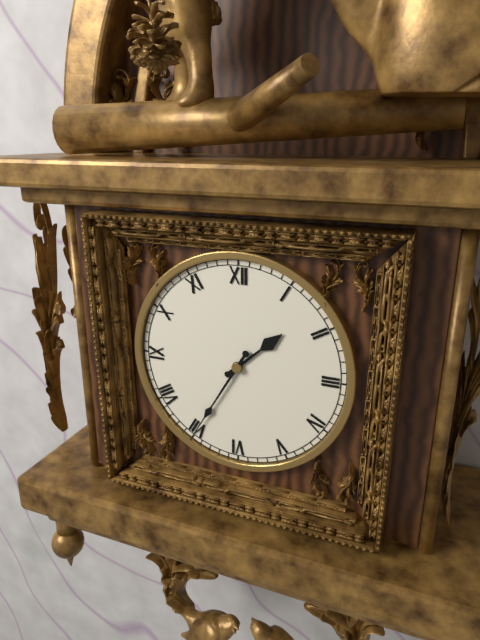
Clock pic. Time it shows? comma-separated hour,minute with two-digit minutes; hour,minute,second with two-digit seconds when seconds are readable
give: 1,35
